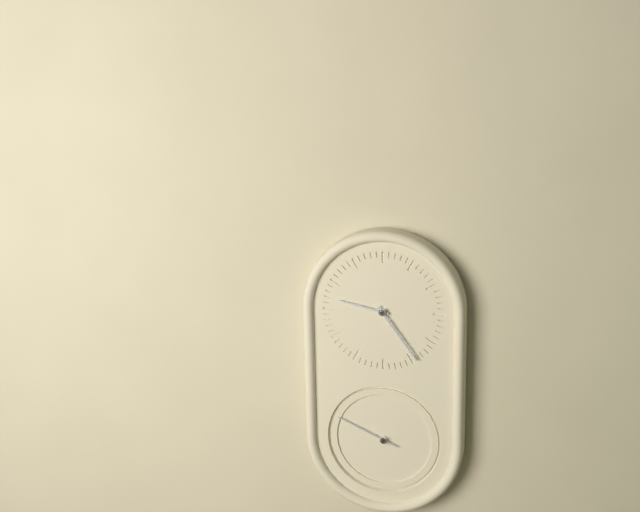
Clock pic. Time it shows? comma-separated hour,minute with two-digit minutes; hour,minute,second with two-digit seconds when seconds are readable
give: 9,24,49
